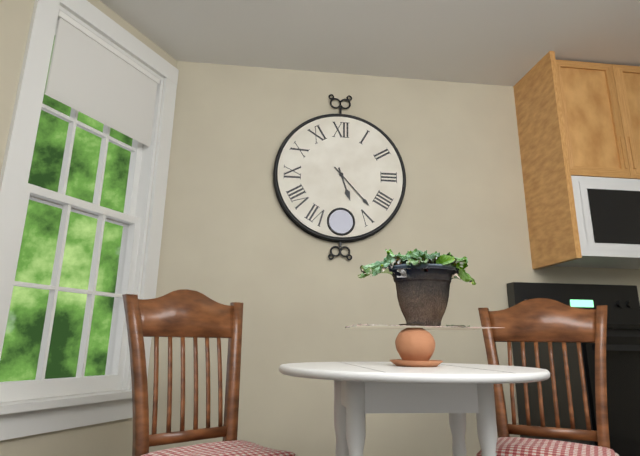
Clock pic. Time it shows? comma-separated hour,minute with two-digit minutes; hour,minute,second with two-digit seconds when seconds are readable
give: 5,23
